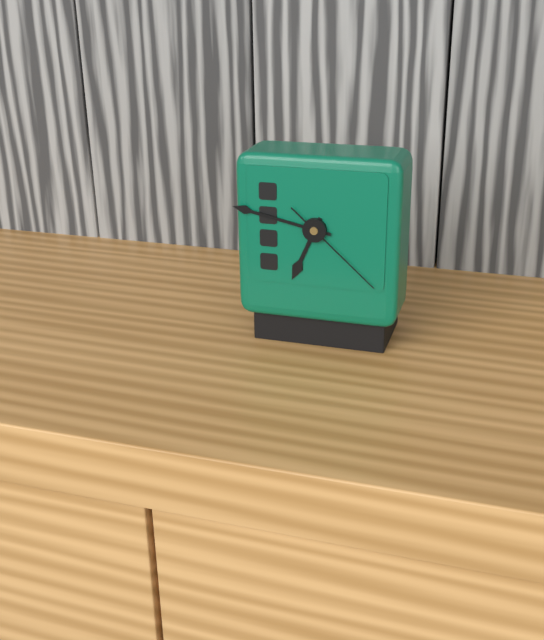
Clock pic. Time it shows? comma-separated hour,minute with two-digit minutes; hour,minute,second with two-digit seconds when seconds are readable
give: 6,47,22
